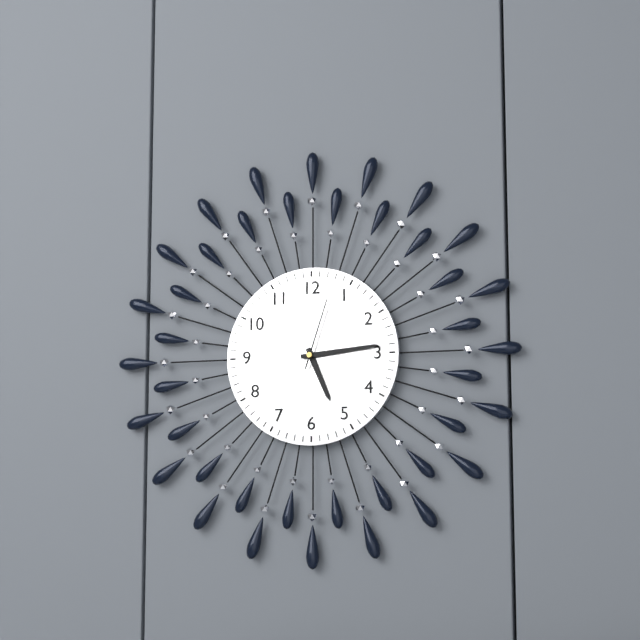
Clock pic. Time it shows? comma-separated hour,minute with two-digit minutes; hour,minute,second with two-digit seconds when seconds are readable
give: 5,14,03
